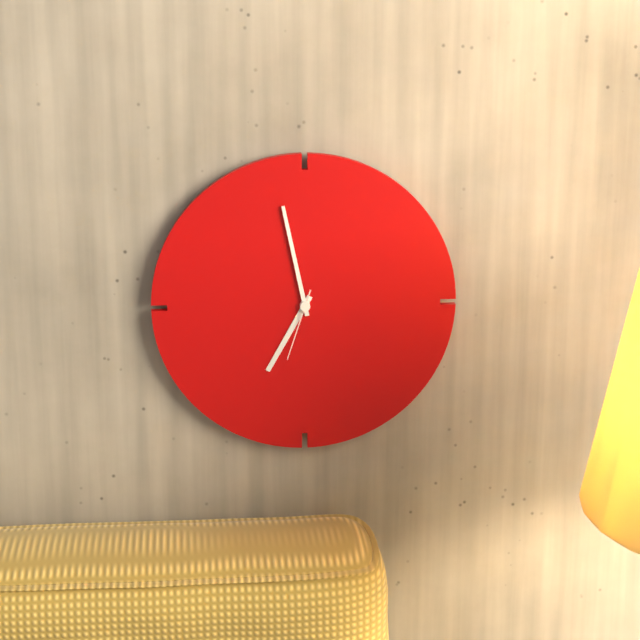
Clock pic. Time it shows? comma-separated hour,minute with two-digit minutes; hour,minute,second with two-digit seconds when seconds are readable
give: 6,58,33
